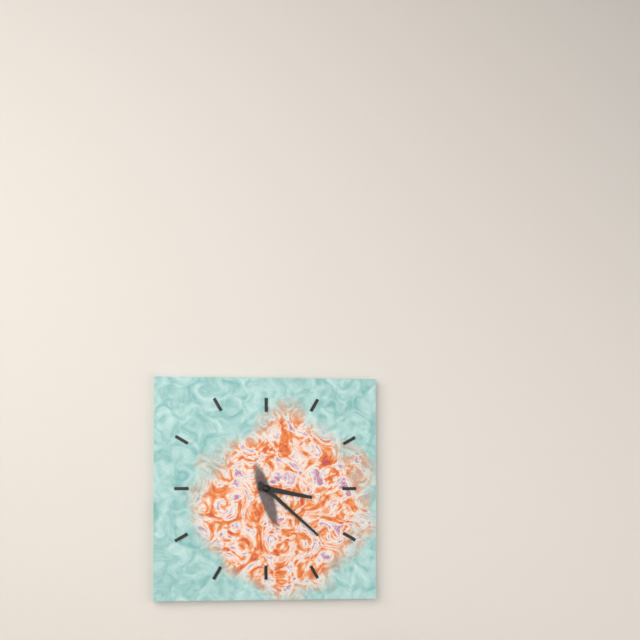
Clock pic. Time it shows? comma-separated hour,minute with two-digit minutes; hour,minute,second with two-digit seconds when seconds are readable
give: 3,22
